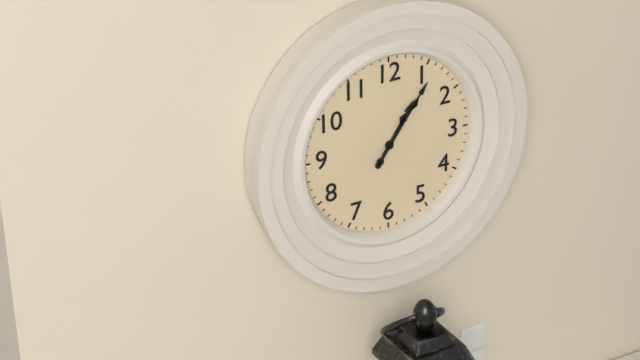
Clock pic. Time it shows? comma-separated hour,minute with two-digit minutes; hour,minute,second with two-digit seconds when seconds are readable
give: 1,06
